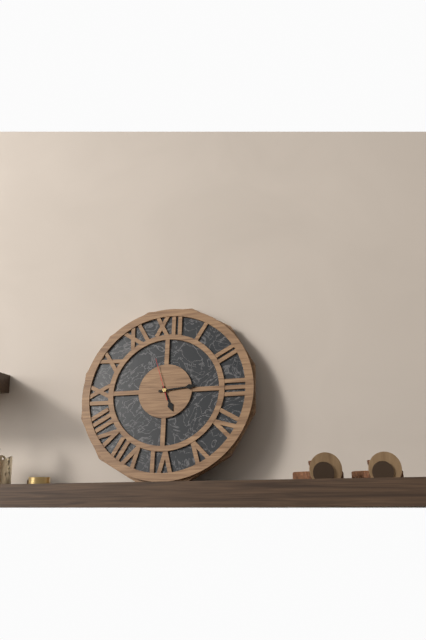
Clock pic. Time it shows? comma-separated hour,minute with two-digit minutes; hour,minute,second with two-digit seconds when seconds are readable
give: 5,14
